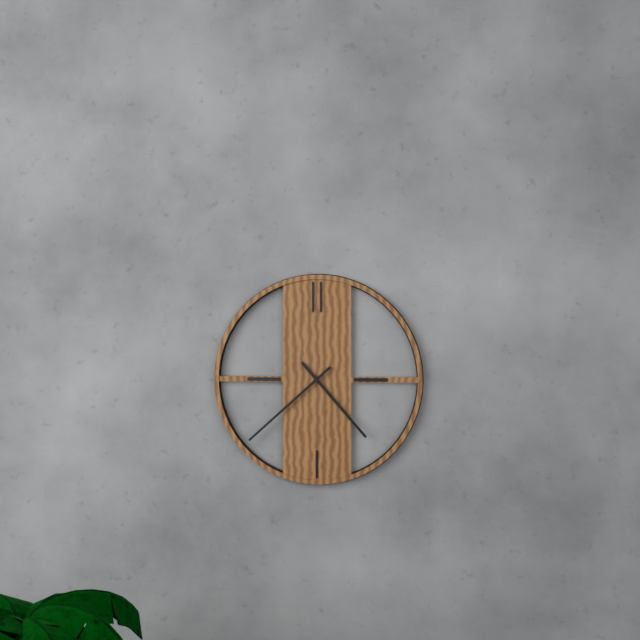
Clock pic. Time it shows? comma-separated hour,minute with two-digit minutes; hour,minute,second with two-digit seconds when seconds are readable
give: 4,38
